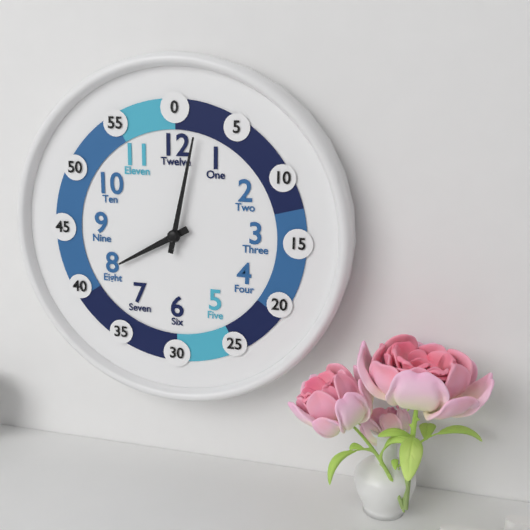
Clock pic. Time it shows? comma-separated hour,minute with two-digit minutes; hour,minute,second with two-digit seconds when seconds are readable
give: 8,02
